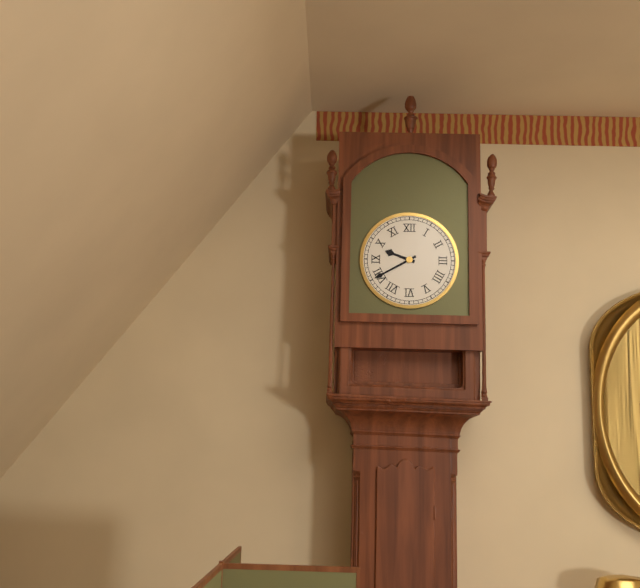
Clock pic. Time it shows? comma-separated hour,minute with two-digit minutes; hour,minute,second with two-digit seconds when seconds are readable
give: 9,40
